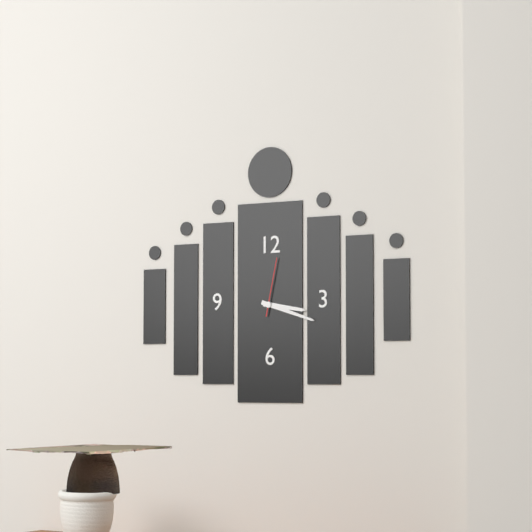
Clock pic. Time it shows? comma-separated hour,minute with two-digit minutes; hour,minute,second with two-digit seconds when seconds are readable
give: 3,18,02
